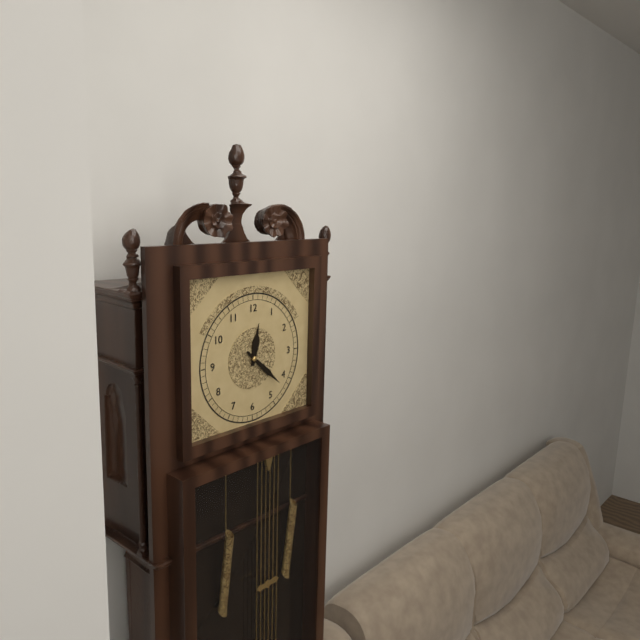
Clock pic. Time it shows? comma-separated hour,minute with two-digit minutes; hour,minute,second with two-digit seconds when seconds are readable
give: 12,22
